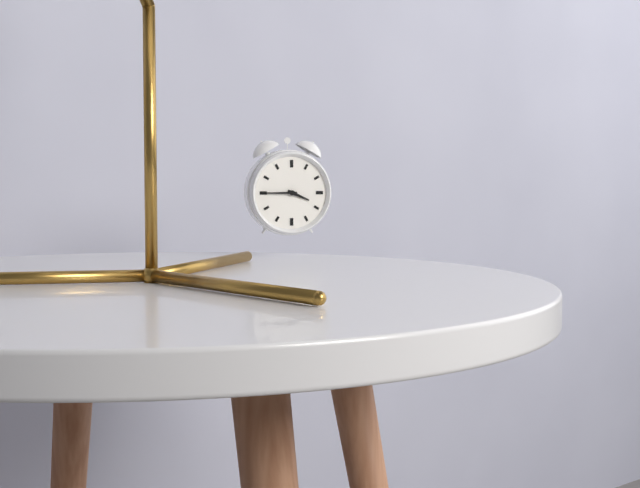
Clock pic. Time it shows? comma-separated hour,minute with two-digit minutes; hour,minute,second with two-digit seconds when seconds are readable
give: 3,45
